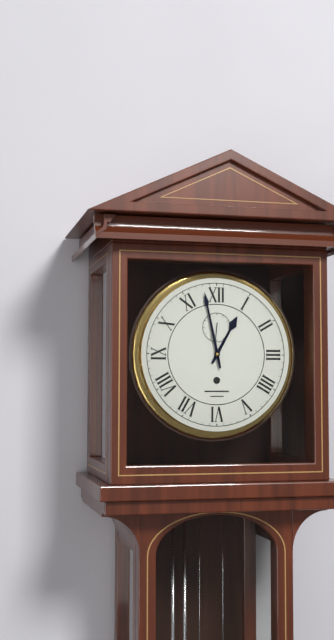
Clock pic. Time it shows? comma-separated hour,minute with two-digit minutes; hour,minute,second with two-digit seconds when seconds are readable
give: 12,58
